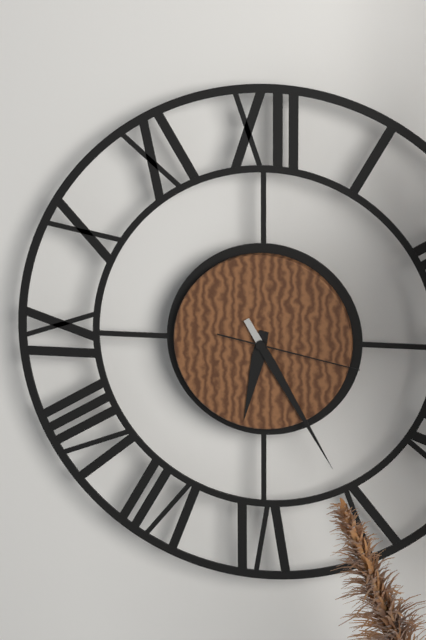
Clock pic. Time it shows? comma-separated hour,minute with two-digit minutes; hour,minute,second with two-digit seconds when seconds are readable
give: 6,25,17
